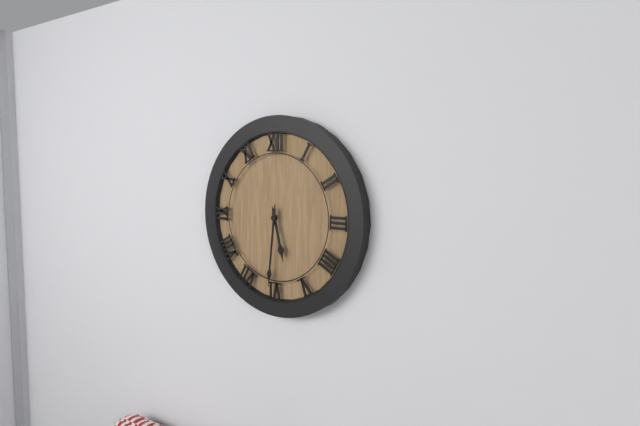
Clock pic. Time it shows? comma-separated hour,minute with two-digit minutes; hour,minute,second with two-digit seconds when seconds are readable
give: 5,31
